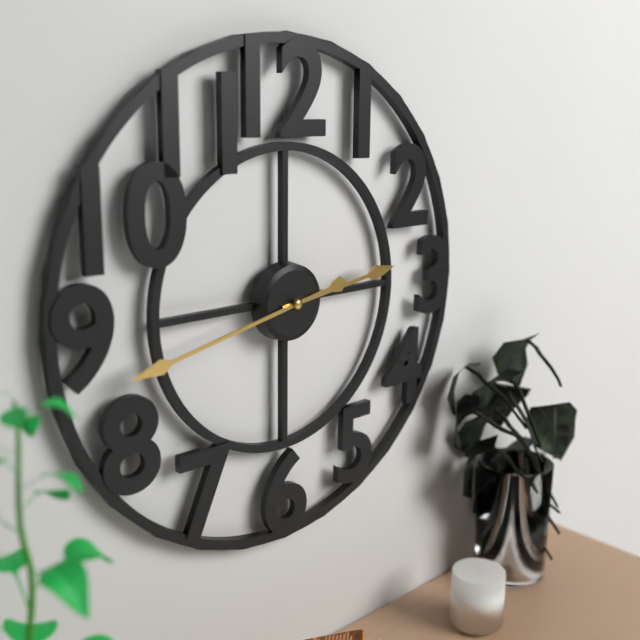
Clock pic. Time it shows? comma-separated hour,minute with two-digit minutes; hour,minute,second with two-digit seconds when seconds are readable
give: 2,43
